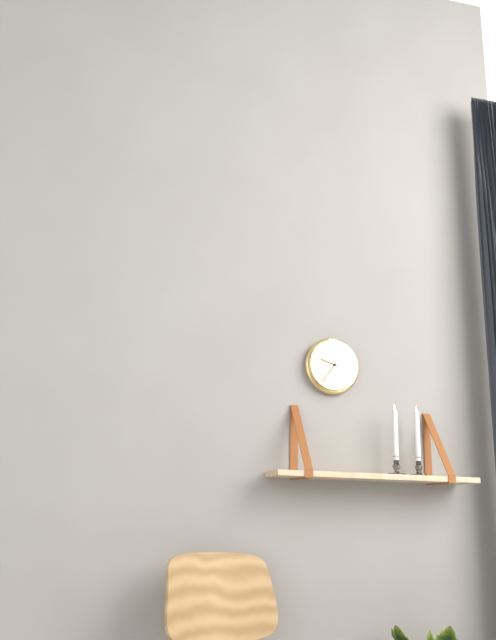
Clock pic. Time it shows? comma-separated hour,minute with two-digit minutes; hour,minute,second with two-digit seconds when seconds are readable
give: 9,36
